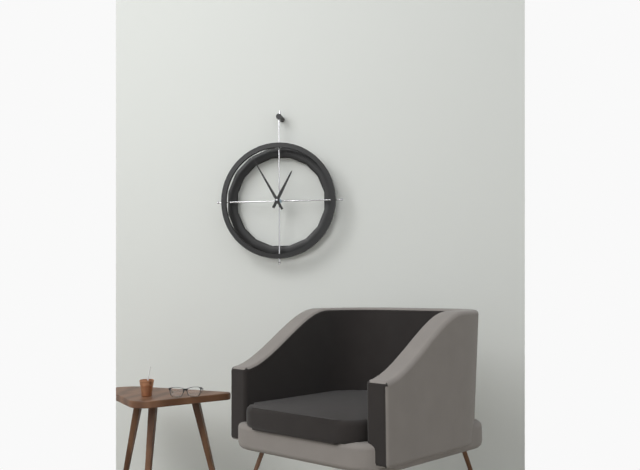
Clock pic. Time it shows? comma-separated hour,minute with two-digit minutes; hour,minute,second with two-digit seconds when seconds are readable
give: 12,55
